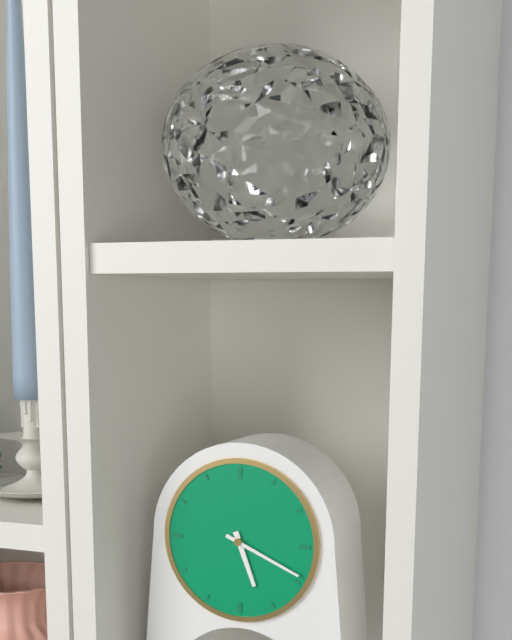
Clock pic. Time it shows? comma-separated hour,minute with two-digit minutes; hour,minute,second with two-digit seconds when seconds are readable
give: 5,19
